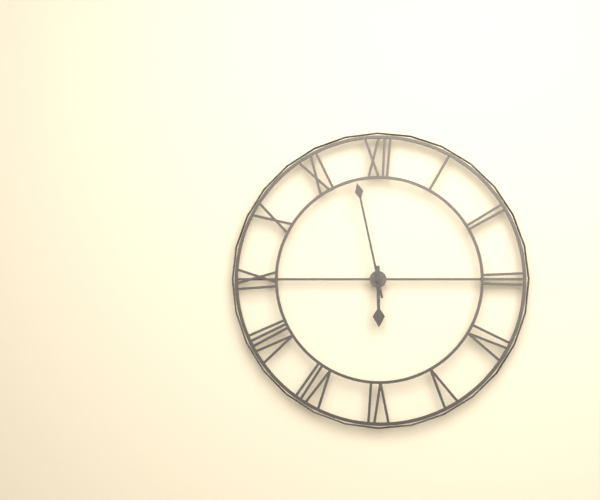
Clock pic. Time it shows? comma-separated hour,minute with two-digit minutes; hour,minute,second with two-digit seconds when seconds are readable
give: 5,58
